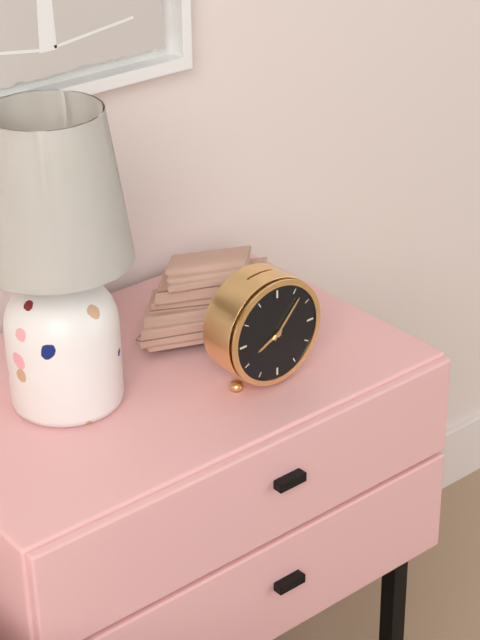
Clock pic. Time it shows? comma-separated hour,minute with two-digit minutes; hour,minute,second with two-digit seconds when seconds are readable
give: 8,07
